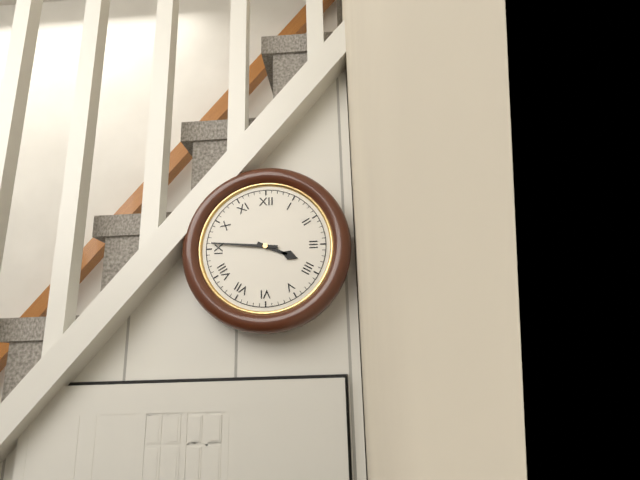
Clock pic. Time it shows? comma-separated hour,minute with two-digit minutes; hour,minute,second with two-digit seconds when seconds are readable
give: 3,46
